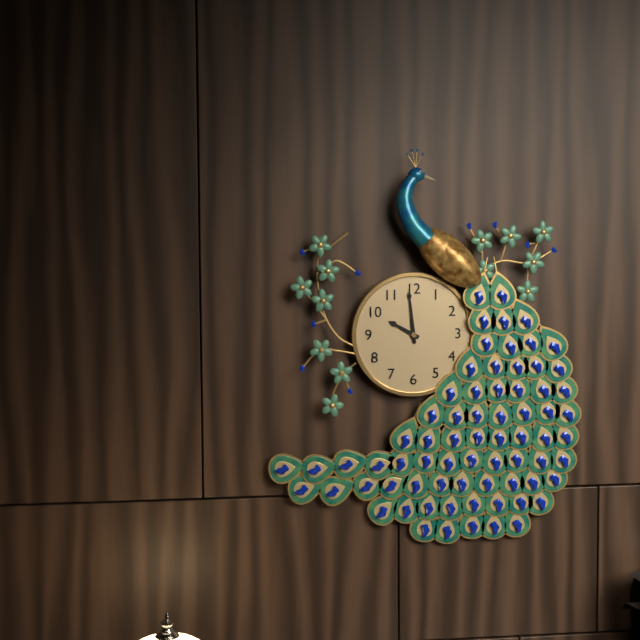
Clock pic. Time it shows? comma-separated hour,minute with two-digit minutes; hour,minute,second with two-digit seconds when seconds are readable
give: 9,59
